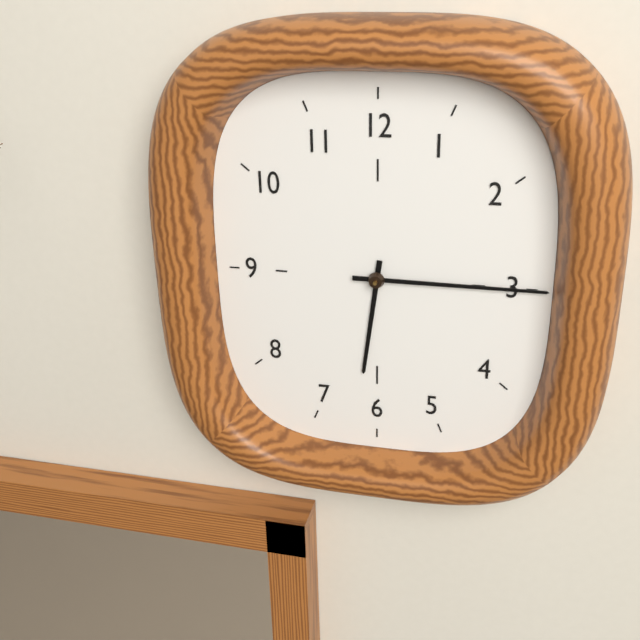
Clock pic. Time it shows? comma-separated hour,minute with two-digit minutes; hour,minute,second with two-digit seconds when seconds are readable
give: 6,15
